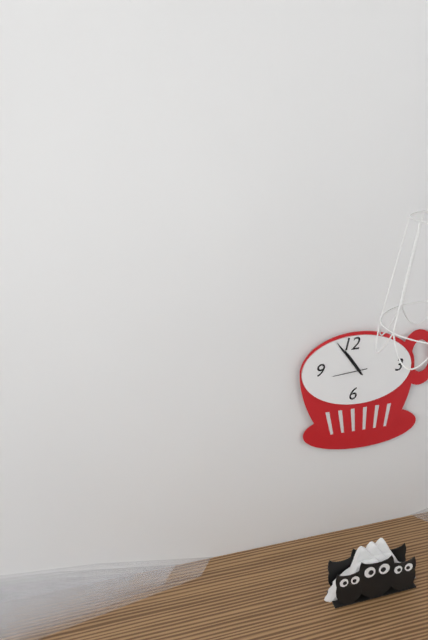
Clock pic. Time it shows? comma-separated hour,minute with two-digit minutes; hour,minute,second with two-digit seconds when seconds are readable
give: 10,54
